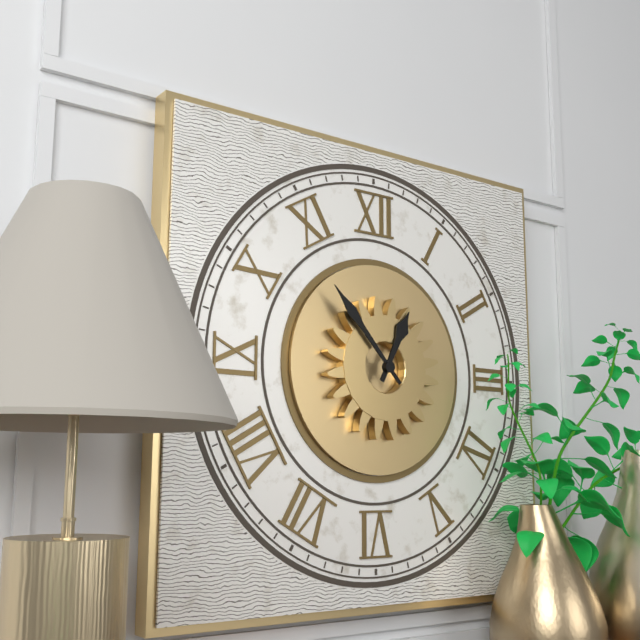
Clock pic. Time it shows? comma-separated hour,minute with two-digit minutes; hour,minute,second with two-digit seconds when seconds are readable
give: 12,53
